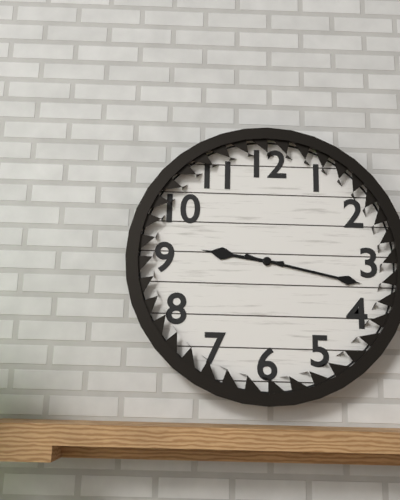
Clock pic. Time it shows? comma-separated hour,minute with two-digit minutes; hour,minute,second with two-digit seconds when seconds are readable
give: 9,17
